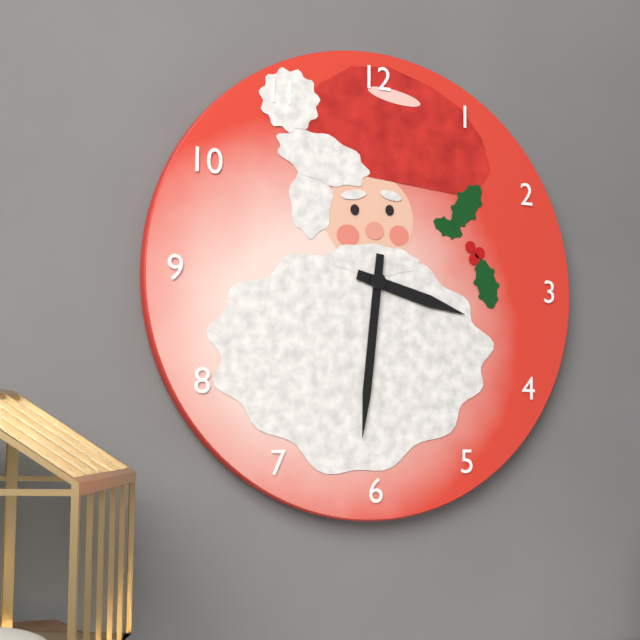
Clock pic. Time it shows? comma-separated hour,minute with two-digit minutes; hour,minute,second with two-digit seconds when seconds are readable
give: 3,31
